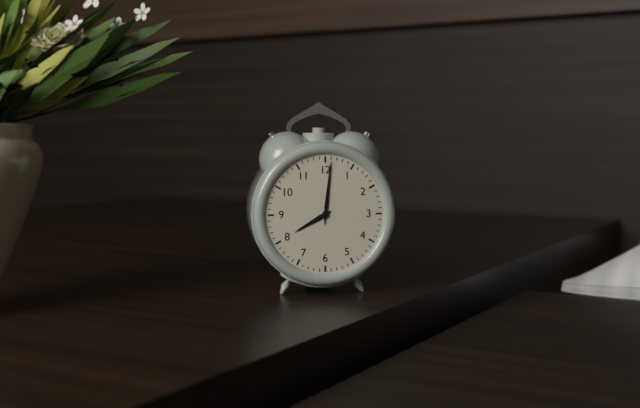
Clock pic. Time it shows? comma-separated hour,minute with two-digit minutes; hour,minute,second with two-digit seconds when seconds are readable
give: 8,01
